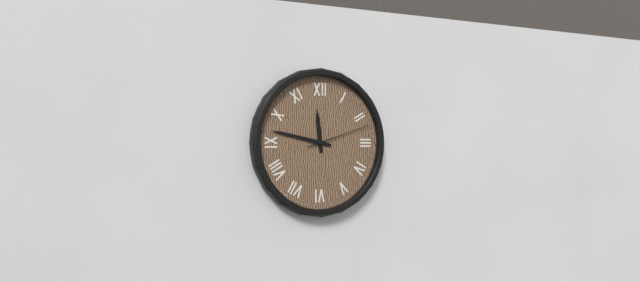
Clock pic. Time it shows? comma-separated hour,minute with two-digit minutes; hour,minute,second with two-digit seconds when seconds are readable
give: 11,47,12
